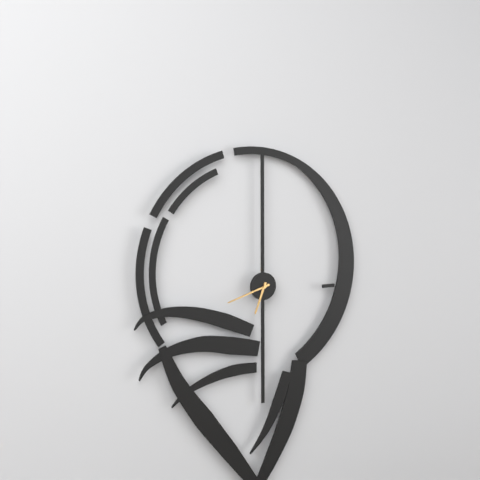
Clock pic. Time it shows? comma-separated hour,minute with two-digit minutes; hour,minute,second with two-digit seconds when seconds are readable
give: 6,42
